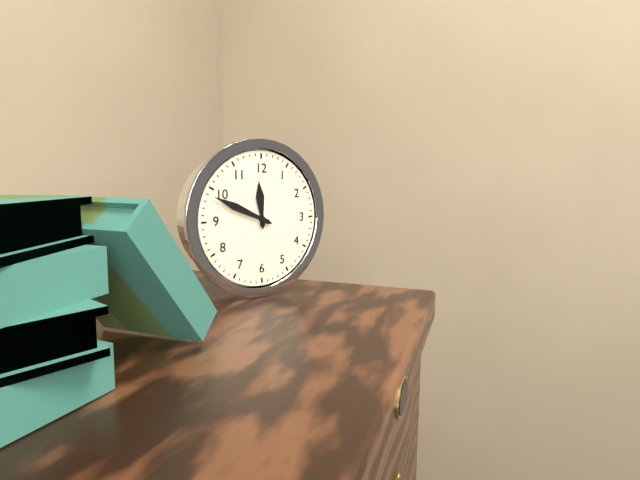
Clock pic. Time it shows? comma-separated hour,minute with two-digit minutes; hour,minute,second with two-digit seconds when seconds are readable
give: 11,49
